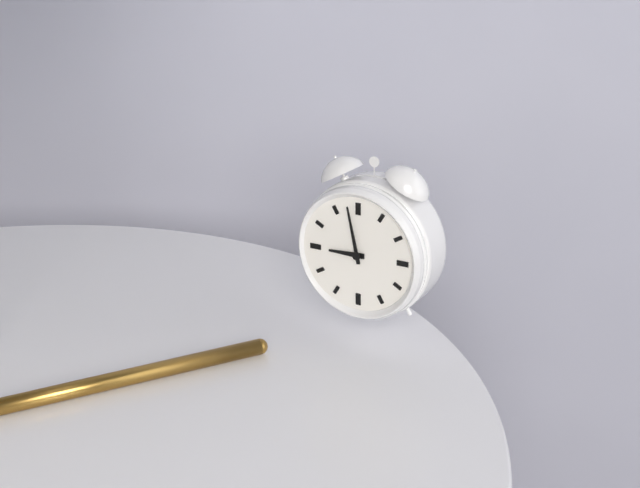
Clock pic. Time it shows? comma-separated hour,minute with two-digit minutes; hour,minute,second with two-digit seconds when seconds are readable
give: 8,58
